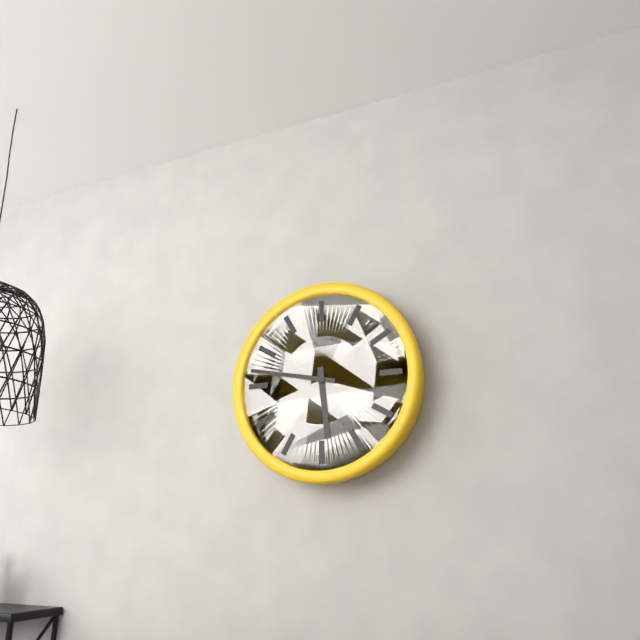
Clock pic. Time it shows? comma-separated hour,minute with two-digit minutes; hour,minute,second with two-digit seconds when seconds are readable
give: 5,47
